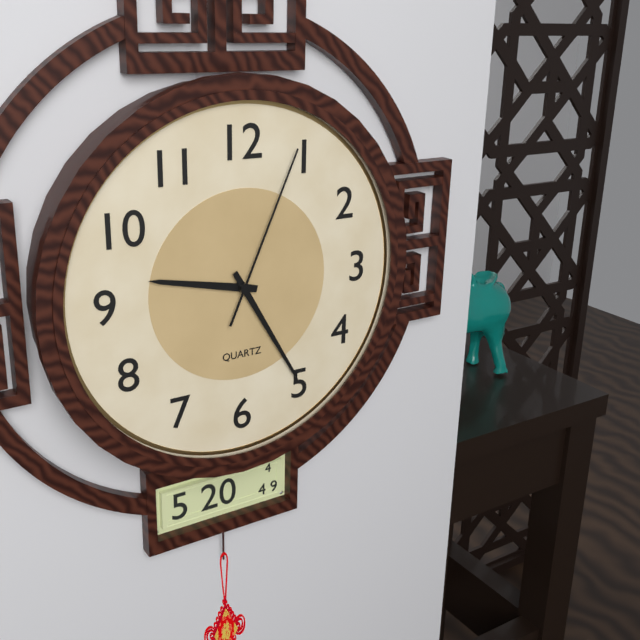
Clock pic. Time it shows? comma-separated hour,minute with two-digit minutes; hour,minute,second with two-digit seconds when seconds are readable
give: 9,25,04
